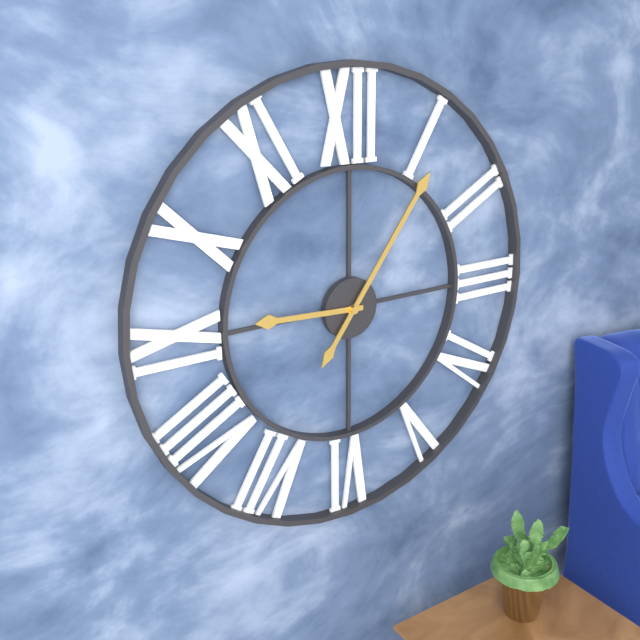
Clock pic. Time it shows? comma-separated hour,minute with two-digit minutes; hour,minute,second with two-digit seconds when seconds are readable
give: 9,06
